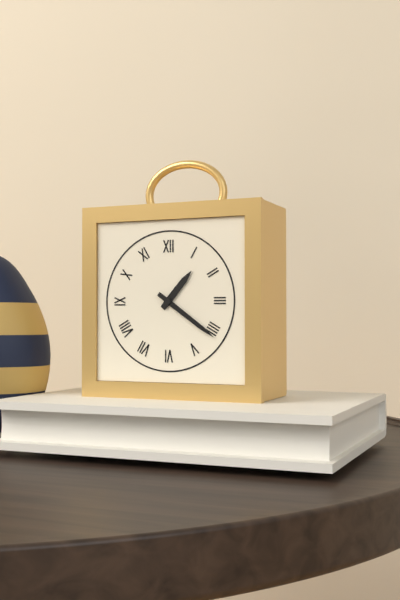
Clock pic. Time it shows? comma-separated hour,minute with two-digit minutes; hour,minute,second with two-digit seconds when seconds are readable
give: 1,21
